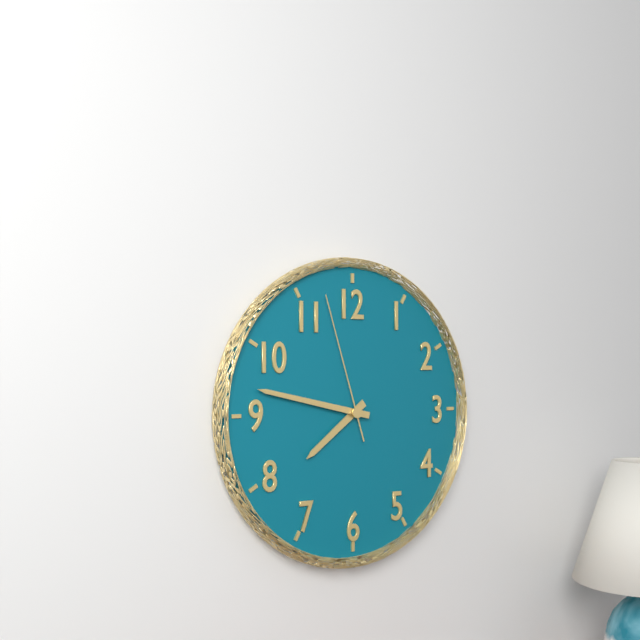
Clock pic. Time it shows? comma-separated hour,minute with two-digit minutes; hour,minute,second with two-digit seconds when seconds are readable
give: 7,47,57
